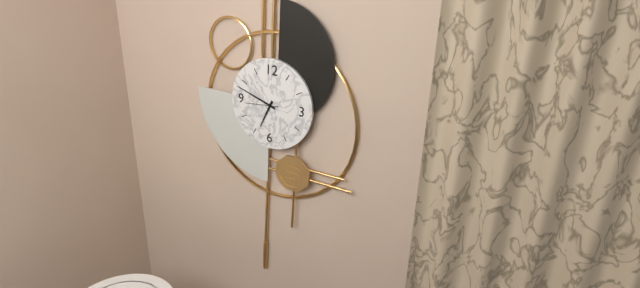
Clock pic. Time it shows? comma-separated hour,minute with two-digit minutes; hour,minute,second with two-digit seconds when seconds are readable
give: 6,48
